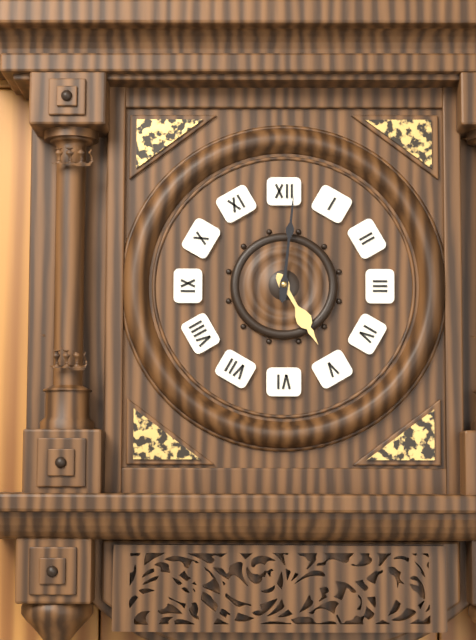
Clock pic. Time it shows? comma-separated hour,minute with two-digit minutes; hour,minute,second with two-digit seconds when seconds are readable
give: 5,01
